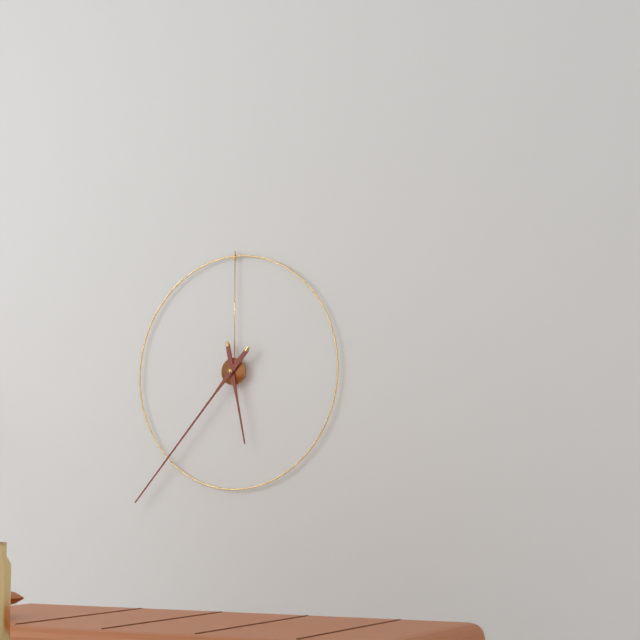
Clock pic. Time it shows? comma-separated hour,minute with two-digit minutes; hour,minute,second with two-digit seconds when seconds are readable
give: 5,37
